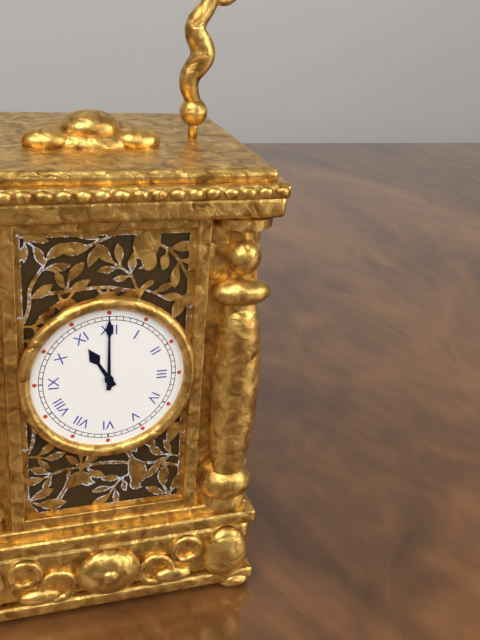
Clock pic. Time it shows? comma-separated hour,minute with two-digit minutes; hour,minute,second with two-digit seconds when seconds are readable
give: 11,00
